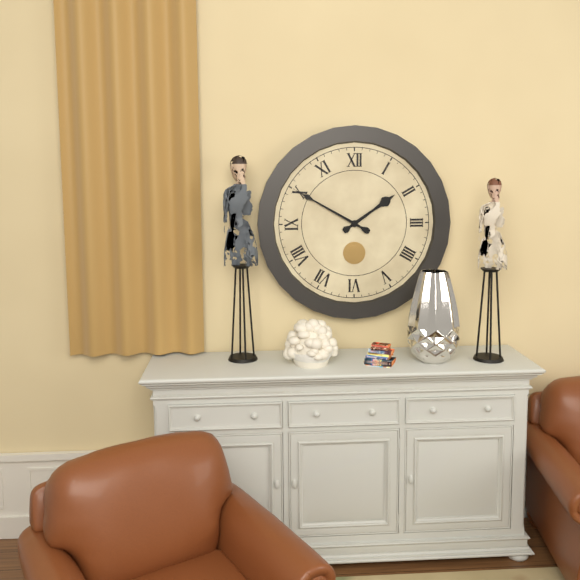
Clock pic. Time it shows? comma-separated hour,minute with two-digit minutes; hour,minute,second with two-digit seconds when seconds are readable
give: 1,50
